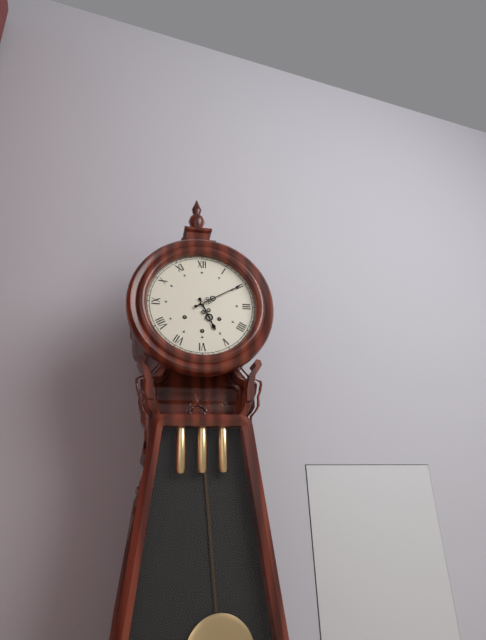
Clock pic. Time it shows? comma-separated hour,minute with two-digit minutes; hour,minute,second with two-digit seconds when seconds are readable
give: 5,10
